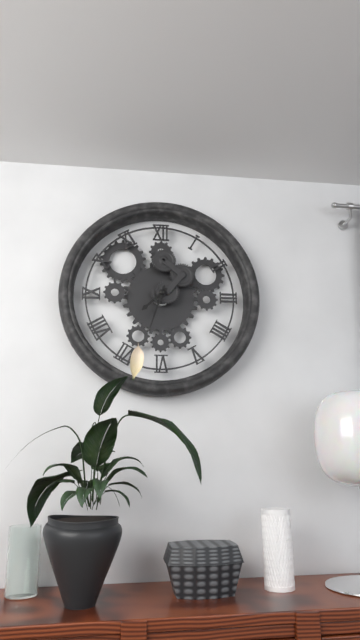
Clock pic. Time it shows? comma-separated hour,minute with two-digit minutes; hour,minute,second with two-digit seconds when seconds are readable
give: 7,33
